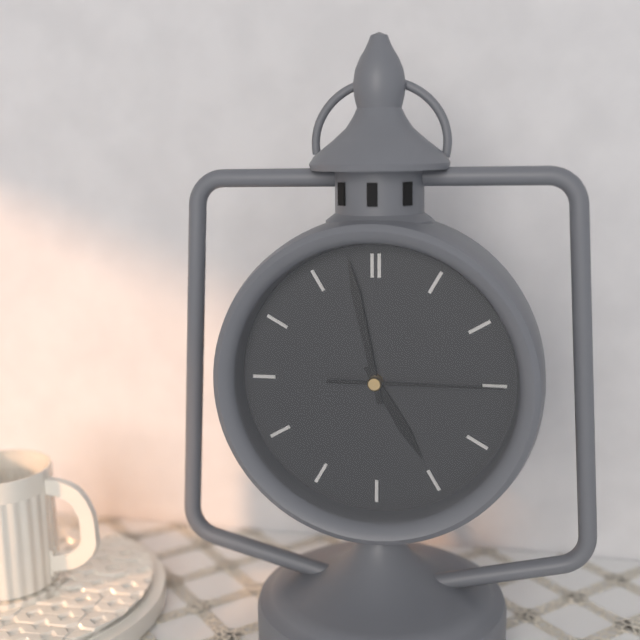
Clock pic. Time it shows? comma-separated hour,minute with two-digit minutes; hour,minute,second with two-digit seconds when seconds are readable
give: 4,58,15
